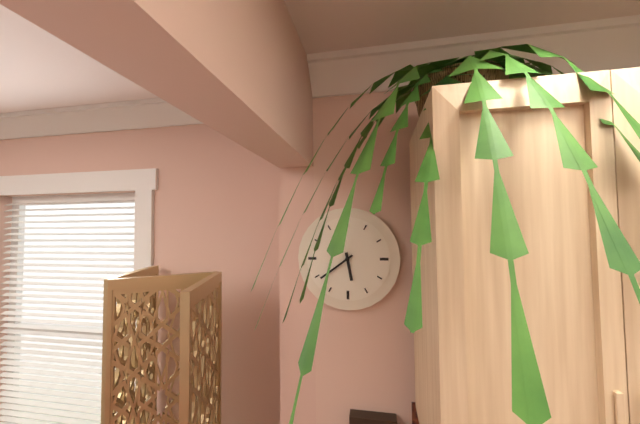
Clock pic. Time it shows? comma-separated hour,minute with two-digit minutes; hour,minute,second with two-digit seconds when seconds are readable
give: 5,39
